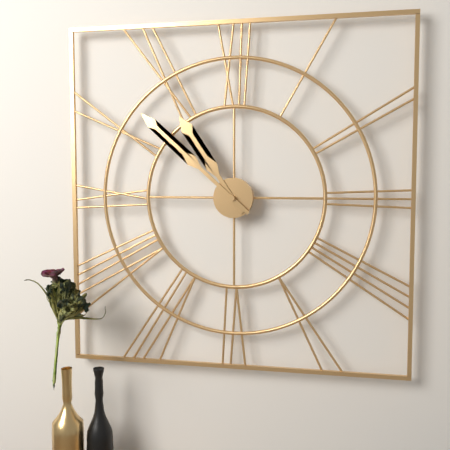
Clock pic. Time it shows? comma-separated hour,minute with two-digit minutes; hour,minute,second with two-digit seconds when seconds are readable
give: 10,52
